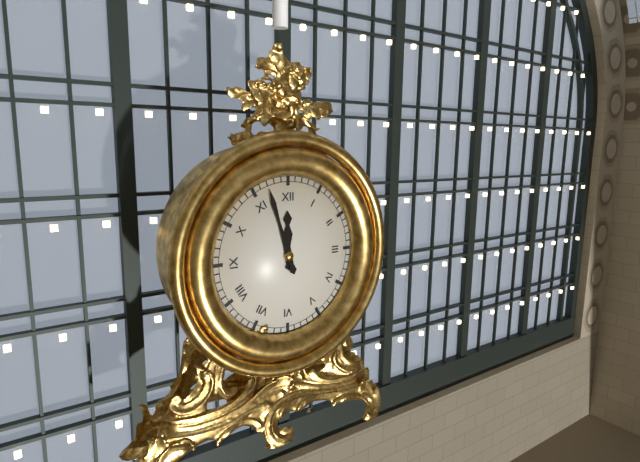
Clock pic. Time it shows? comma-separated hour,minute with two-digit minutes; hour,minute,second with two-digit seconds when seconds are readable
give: 11,57
